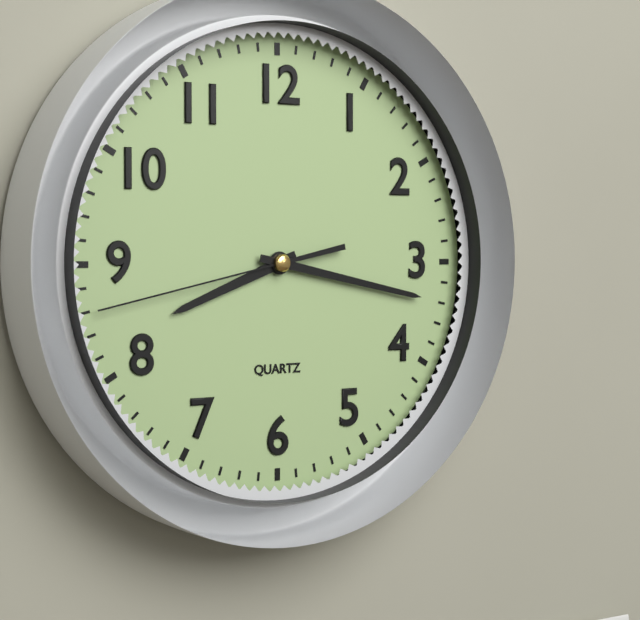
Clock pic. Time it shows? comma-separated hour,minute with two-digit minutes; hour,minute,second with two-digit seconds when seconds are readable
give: 8,17,43
